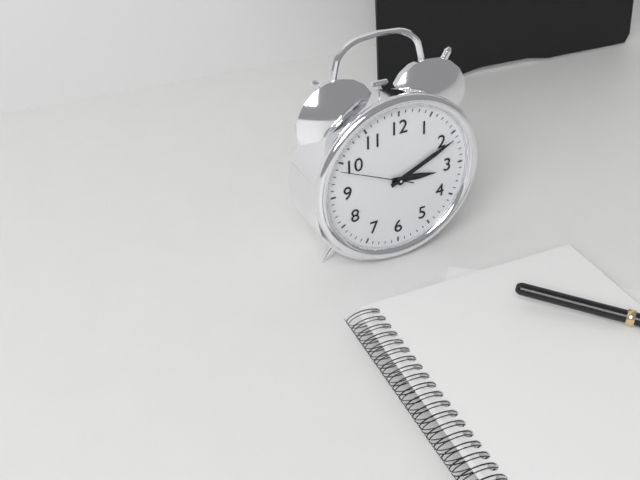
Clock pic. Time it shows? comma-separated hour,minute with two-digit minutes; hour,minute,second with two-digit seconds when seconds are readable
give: 3,11,49
